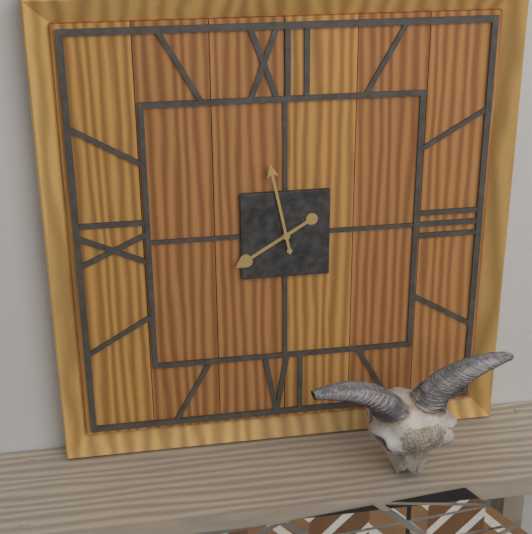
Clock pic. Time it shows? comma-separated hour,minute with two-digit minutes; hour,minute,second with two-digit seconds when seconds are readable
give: 7,58
